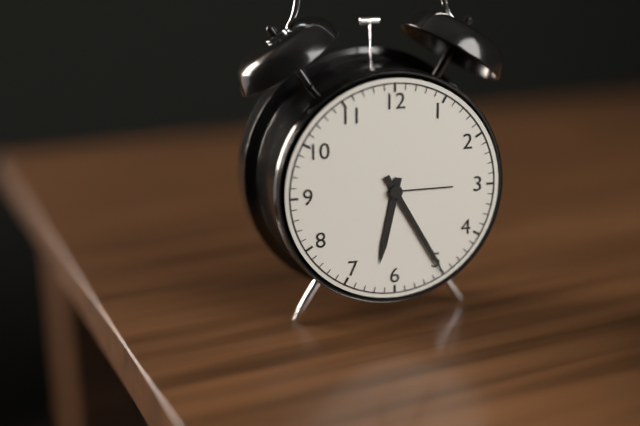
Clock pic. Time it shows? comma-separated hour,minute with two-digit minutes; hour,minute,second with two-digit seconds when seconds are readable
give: 6,25
